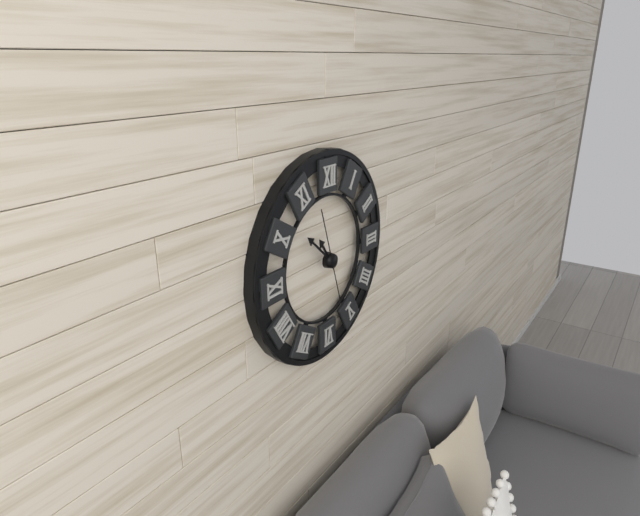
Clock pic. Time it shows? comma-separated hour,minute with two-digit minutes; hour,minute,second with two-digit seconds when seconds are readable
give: 10,52,57
